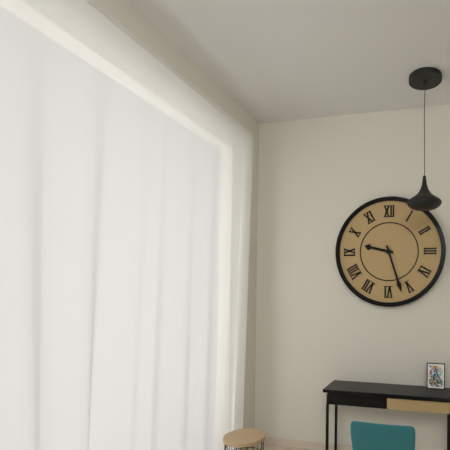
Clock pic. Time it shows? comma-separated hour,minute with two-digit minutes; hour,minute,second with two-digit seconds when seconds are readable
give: 9,27
